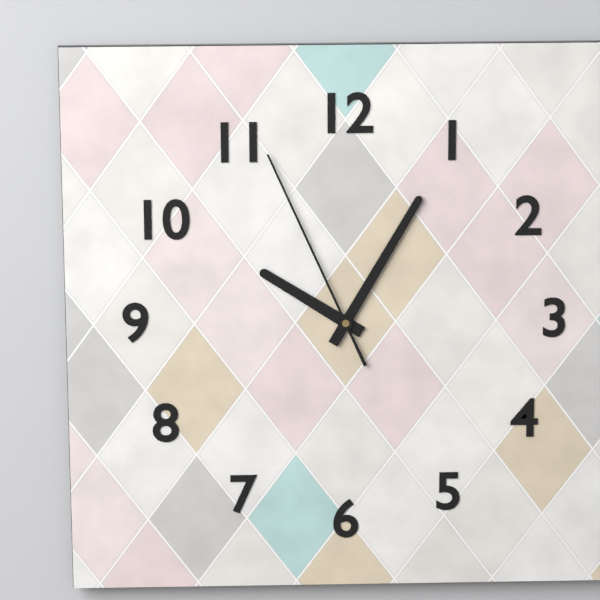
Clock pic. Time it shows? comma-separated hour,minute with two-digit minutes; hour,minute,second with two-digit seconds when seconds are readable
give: 10,05,56
